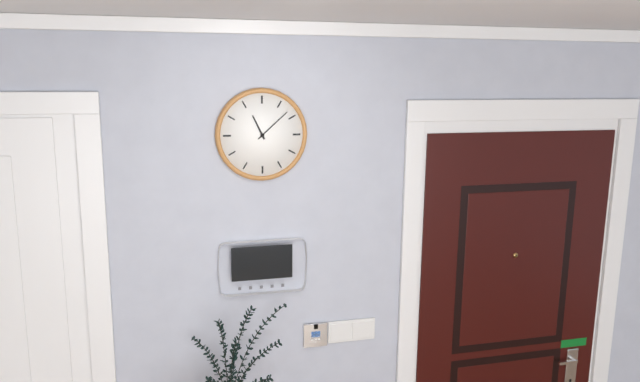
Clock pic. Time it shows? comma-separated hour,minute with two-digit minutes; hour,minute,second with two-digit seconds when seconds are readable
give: 11,08
